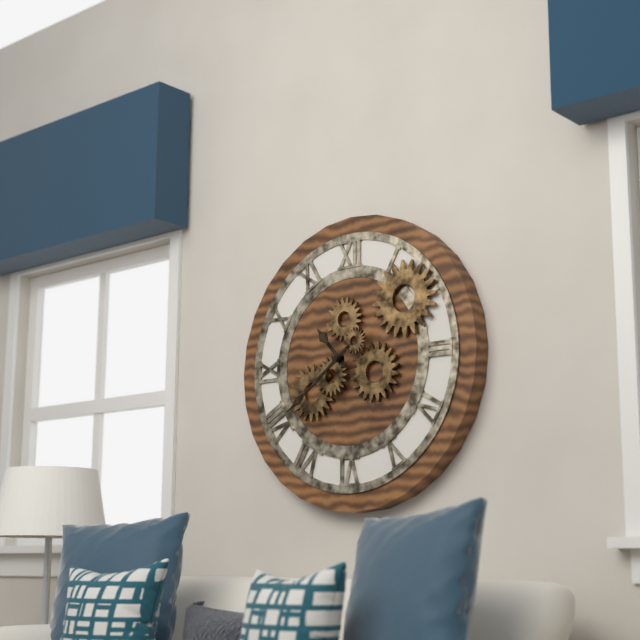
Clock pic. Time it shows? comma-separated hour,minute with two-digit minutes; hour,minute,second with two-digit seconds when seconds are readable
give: 10,39
